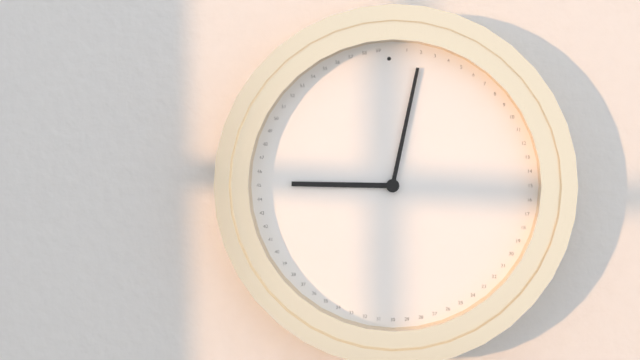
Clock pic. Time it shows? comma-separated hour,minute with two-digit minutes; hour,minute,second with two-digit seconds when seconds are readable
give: 9,02
